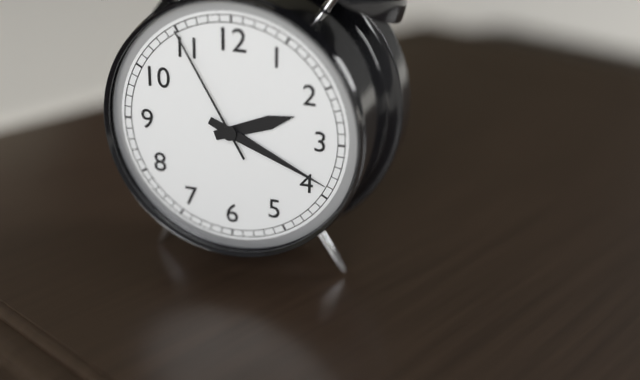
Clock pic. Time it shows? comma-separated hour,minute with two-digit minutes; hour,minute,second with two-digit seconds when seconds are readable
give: 2,19,55
